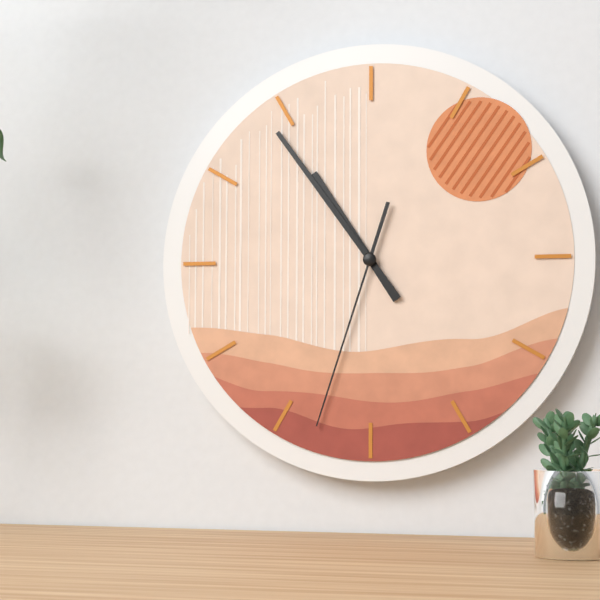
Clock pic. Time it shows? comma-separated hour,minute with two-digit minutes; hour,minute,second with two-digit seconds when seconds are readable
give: 10,54,33
